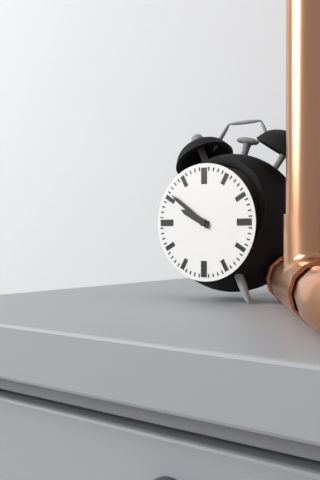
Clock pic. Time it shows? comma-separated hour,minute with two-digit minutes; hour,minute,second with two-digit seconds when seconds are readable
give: 9,51
